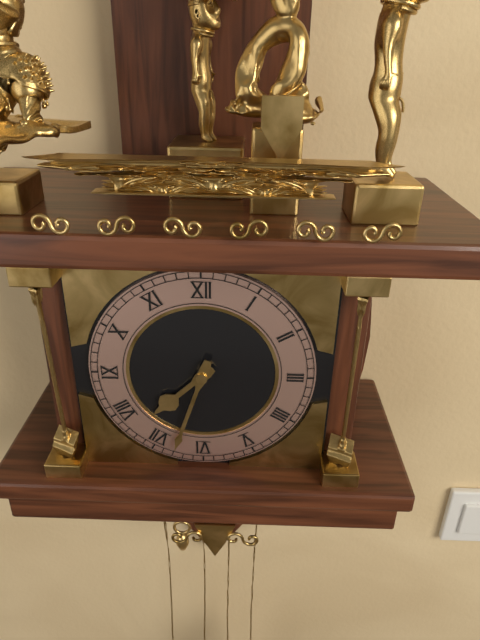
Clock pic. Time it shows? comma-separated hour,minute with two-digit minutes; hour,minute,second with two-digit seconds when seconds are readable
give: 7,33
